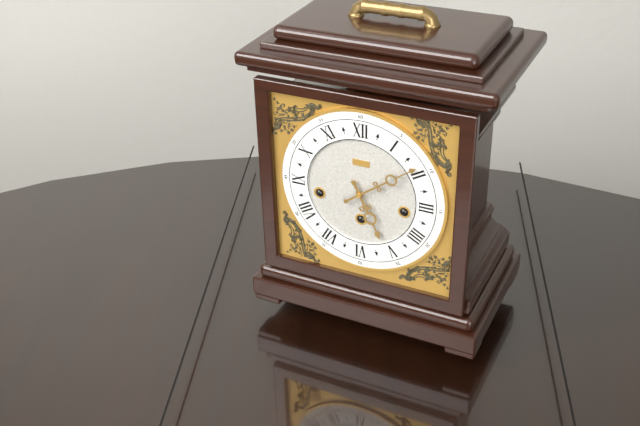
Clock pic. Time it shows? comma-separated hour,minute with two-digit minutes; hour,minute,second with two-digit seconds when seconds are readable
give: 5,09
